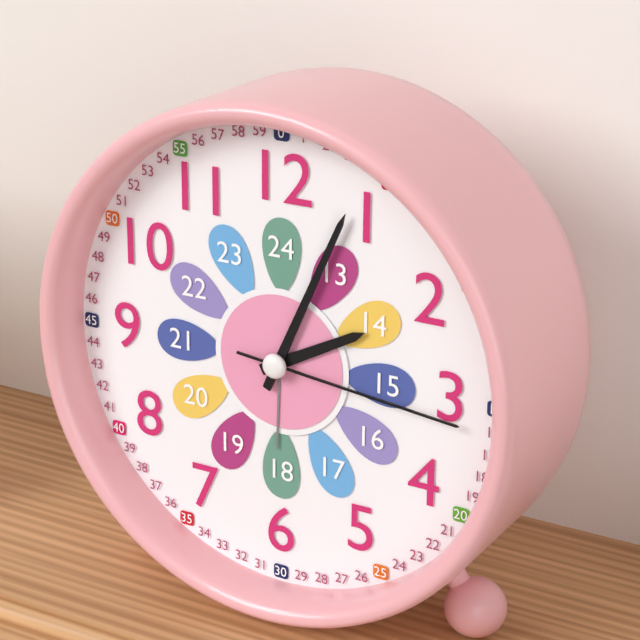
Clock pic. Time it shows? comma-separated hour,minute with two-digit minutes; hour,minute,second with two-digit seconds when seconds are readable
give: 2,04,16
